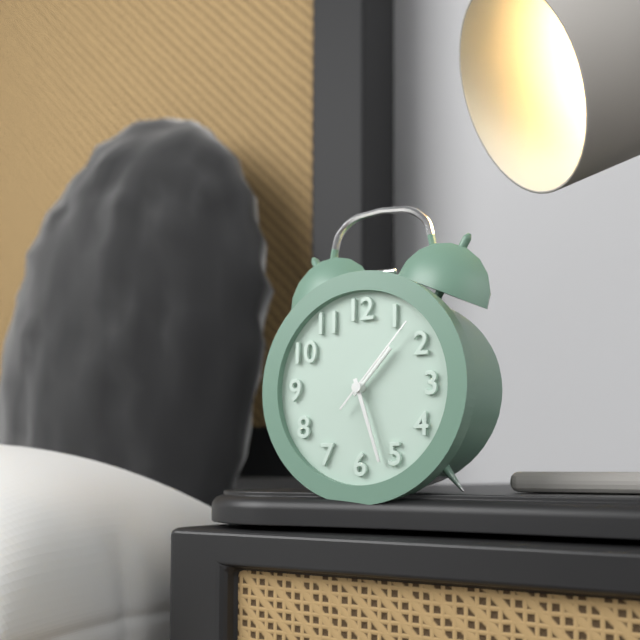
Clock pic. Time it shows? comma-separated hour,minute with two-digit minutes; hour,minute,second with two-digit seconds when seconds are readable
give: 1,27,07
